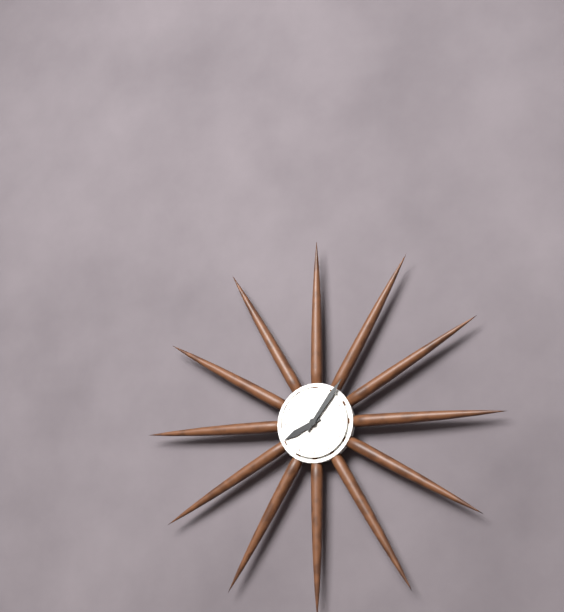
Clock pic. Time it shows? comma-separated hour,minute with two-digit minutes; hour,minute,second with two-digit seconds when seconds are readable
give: 8,06
